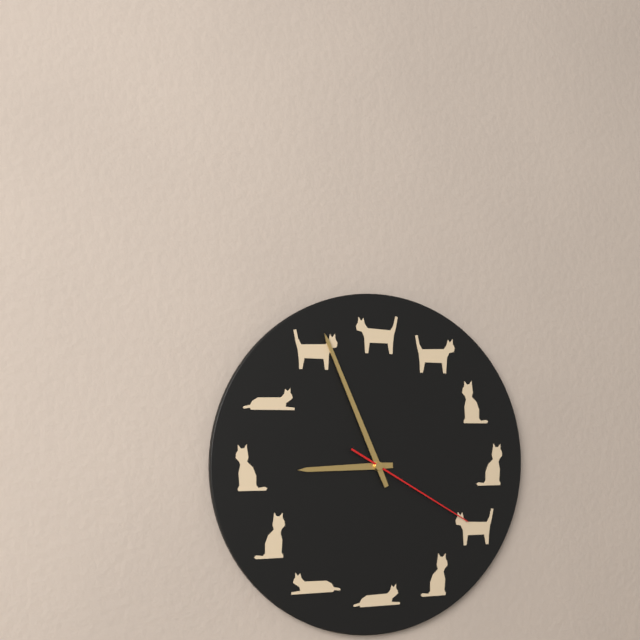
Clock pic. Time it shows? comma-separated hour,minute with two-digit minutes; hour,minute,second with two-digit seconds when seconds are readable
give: 8,56,20
